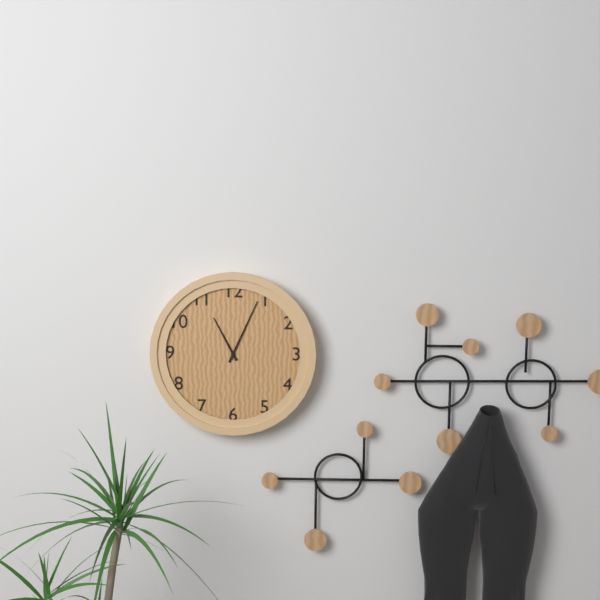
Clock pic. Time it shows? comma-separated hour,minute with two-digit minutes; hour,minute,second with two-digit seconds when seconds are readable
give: 11,04
